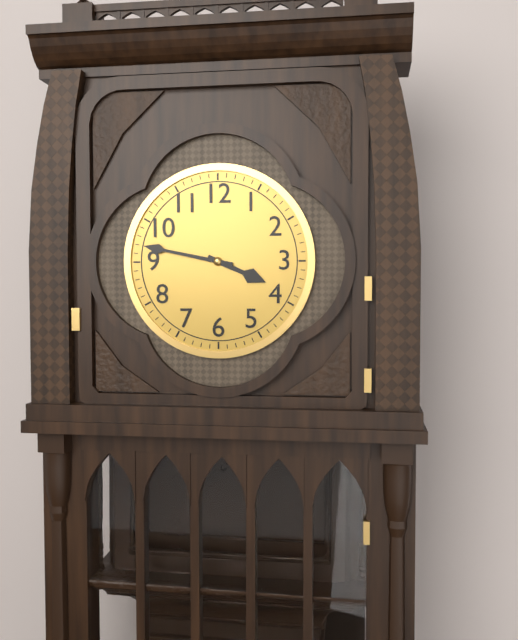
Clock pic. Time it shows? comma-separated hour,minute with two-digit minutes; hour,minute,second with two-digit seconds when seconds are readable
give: 3,47
